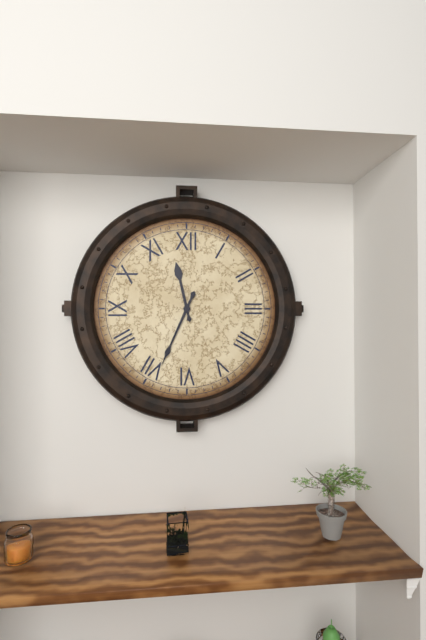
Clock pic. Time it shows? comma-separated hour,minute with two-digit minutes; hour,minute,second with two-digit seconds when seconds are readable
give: 11,34
